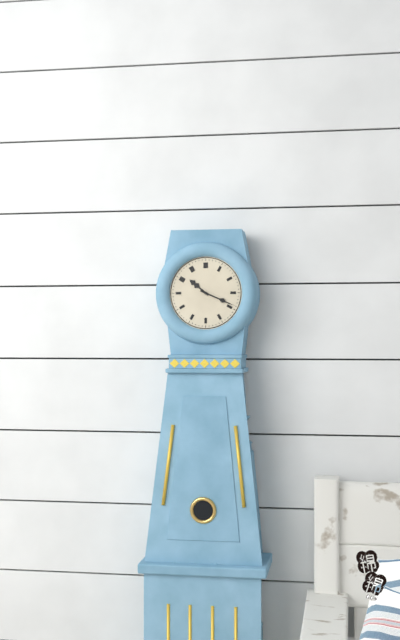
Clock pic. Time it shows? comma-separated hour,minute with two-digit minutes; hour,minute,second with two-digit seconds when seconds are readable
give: 10,19
